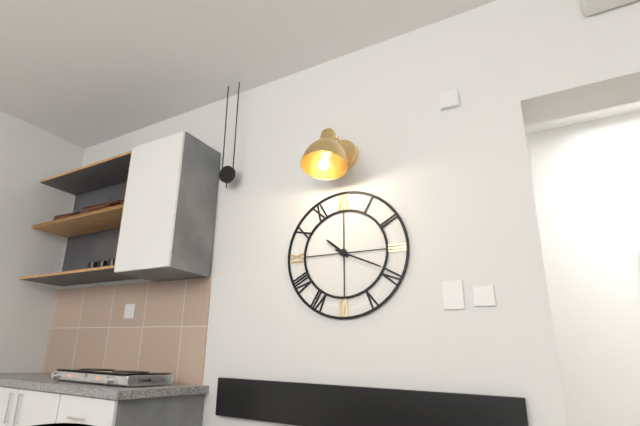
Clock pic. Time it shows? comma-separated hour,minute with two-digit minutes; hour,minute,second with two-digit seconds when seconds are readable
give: 10,19
